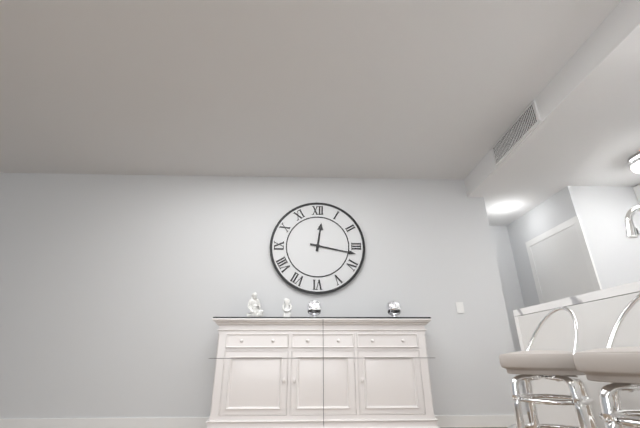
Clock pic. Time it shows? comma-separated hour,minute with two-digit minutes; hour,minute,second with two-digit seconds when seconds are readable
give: 12,17
